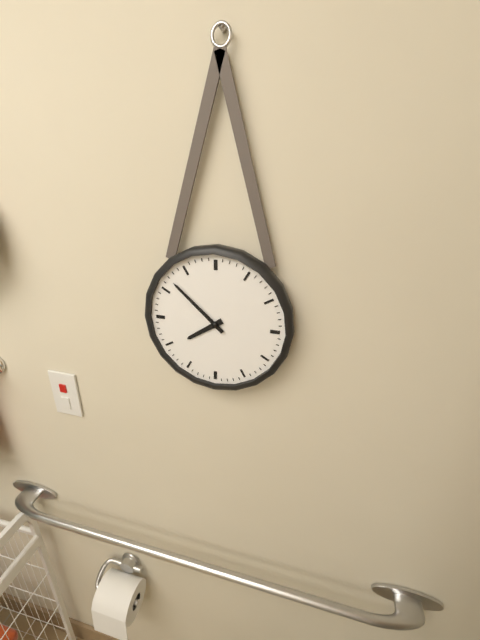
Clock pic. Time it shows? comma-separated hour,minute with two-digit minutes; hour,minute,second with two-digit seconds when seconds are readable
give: 7,52
